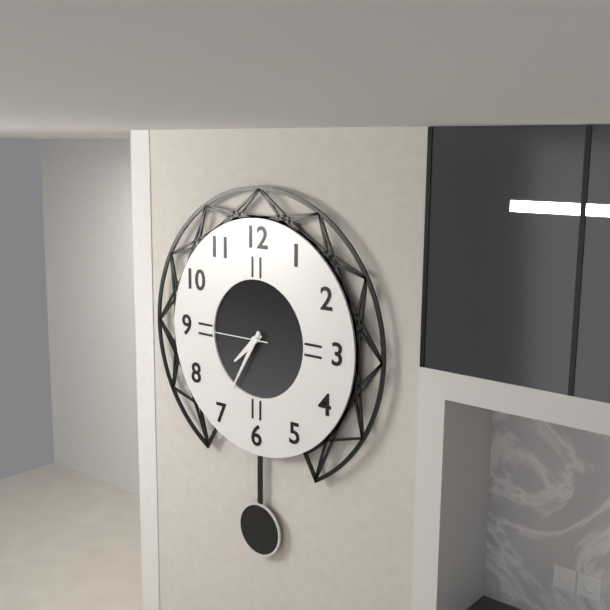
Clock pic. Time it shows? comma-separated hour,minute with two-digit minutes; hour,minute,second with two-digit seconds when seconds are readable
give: 7,35,45
